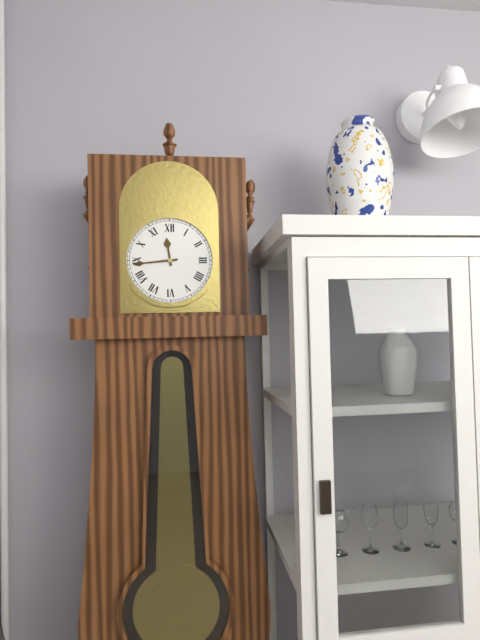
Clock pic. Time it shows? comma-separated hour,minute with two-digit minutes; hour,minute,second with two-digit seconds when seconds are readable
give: 11,44
